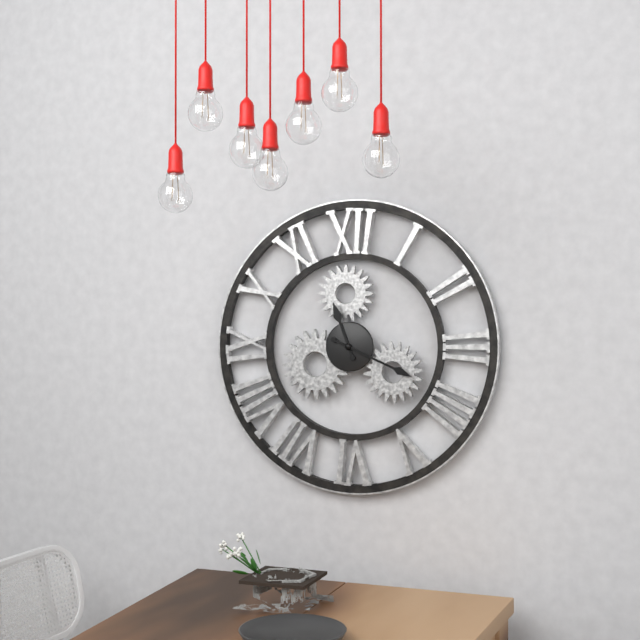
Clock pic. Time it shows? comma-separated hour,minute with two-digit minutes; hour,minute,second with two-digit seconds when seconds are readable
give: 11,19
